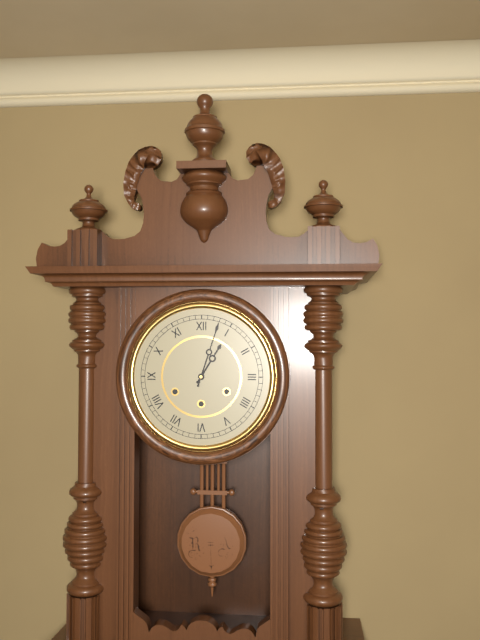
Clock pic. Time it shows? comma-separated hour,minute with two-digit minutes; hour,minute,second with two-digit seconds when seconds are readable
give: 1,03
